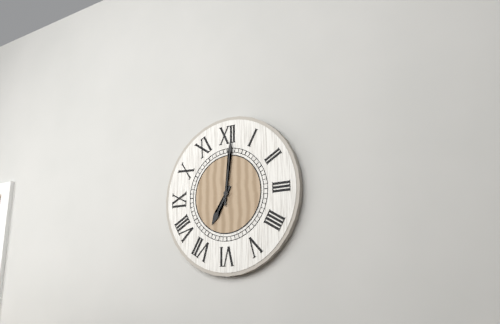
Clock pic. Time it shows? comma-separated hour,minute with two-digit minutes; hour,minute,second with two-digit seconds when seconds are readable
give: 7,01
